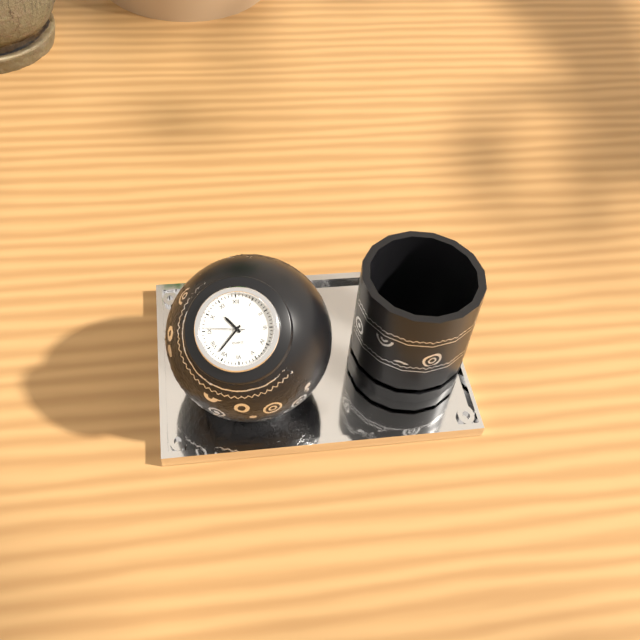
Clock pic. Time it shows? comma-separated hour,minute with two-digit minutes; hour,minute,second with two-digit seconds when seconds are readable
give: 10,37,46
